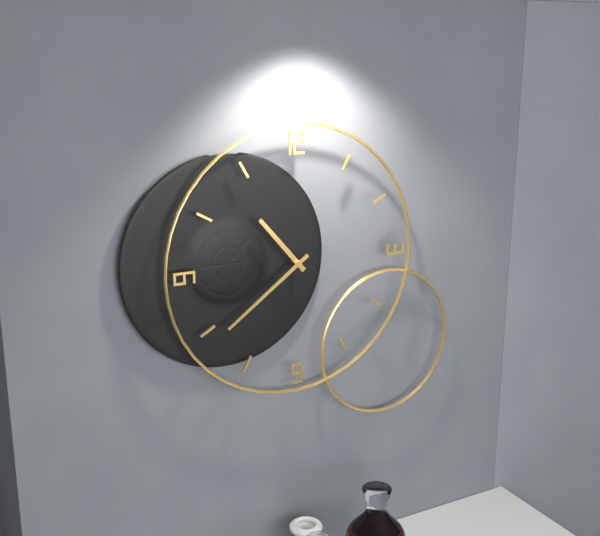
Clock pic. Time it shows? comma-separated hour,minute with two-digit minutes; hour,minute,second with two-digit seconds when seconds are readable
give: 10,39
